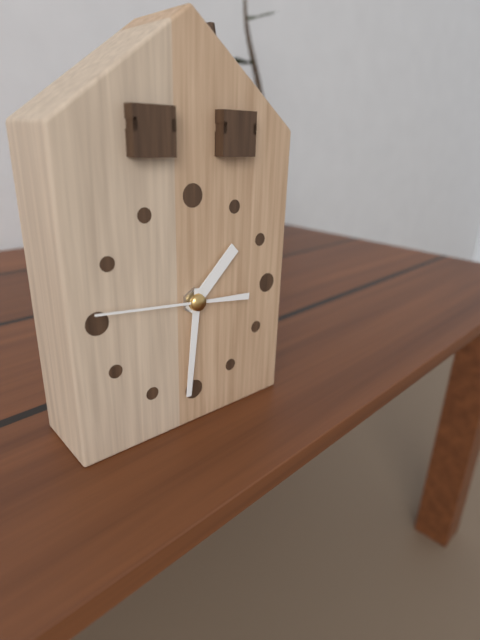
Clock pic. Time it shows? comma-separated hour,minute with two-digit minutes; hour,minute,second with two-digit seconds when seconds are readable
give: 1,31,46
